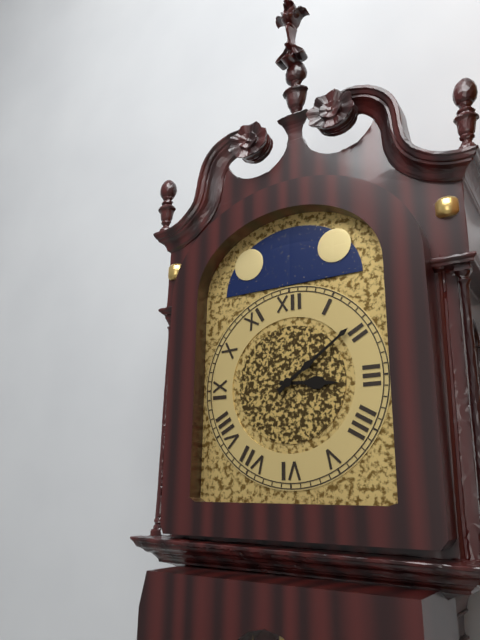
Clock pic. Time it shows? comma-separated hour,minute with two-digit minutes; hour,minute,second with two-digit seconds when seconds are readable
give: 3,09
